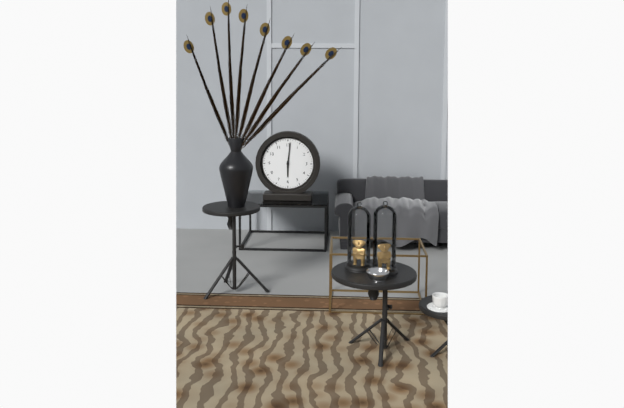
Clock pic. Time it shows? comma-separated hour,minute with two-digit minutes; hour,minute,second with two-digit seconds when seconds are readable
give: 6,01
